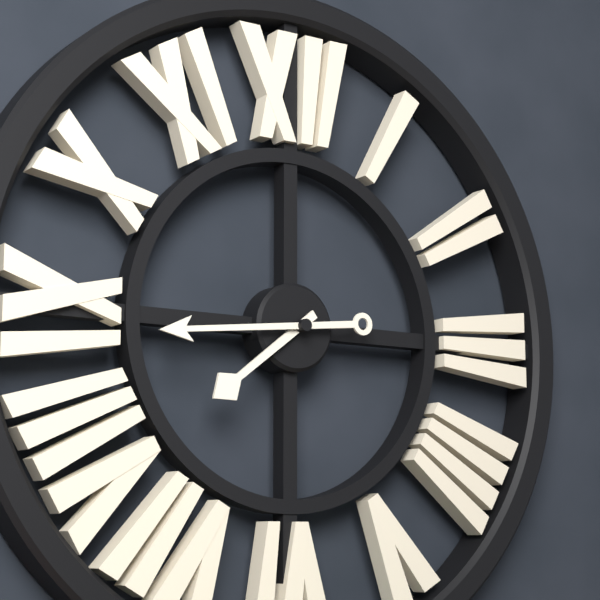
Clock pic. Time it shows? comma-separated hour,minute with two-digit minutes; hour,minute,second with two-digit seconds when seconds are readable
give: 7,44
